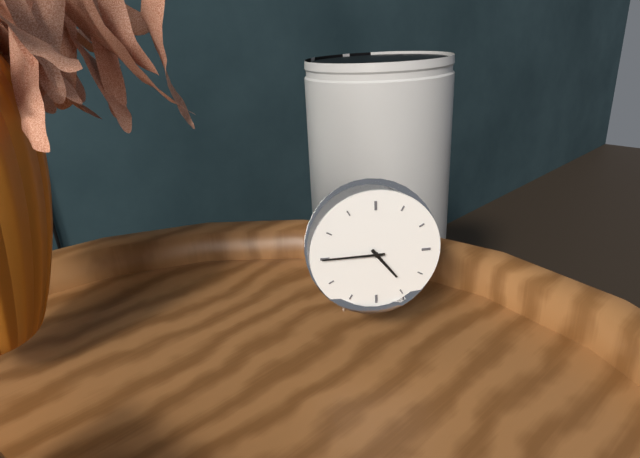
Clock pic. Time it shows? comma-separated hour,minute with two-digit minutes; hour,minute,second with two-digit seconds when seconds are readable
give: 4,45
